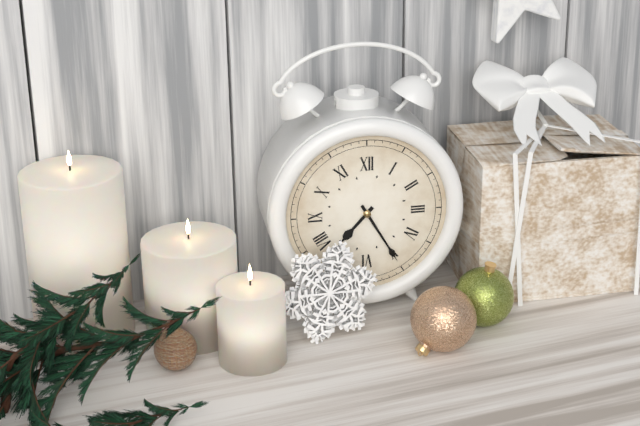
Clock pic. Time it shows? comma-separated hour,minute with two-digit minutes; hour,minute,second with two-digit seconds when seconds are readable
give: 7,25
